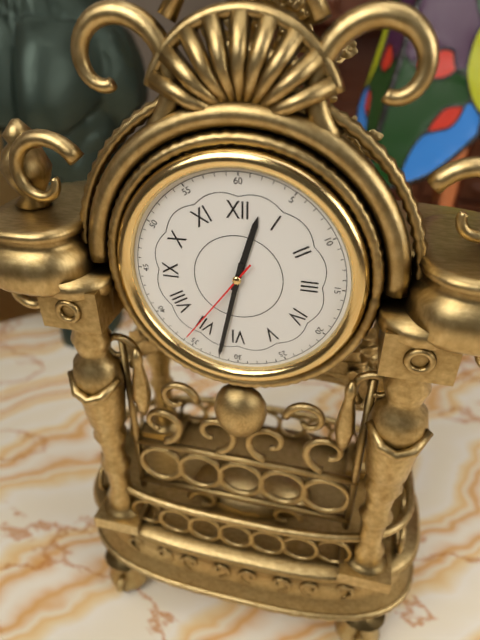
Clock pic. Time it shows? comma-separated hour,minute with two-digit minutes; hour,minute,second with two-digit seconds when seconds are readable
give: 12,32,36
